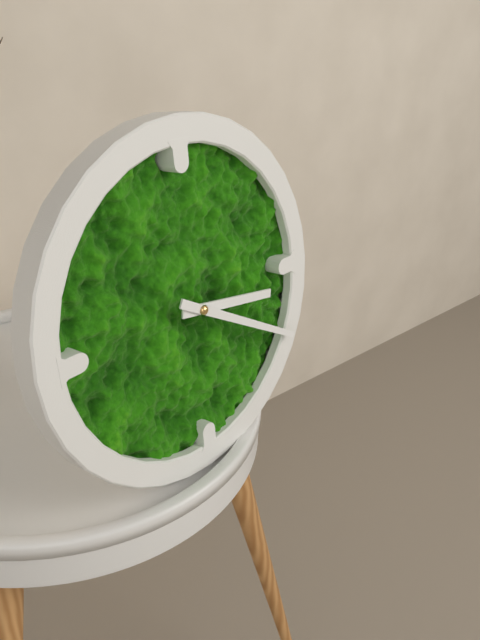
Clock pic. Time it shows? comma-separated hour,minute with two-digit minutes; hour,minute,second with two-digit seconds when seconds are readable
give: 3,20
